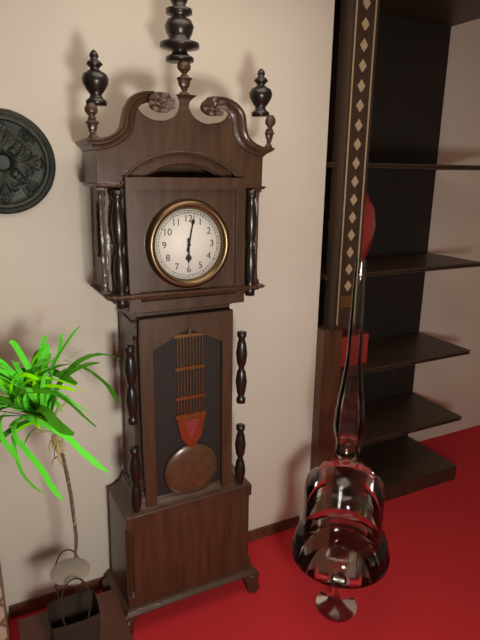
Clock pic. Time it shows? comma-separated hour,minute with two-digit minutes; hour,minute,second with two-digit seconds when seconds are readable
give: 6,02
